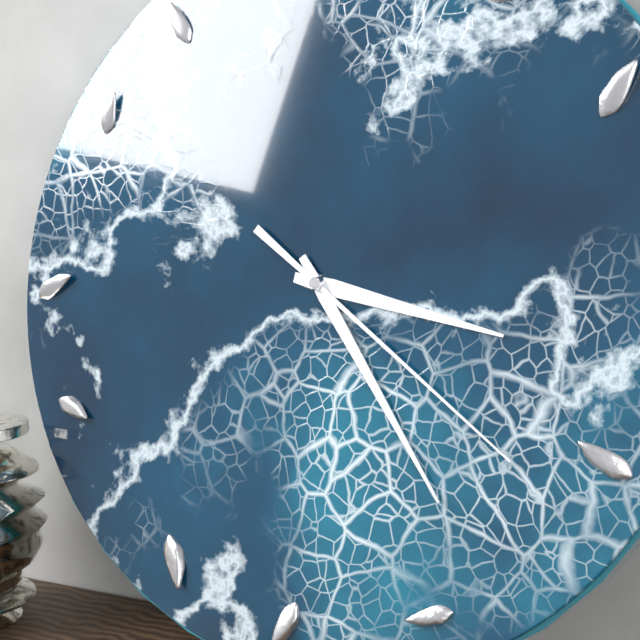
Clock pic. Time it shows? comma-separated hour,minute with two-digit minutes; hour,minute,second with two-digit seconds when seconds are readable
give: 3,24,21
